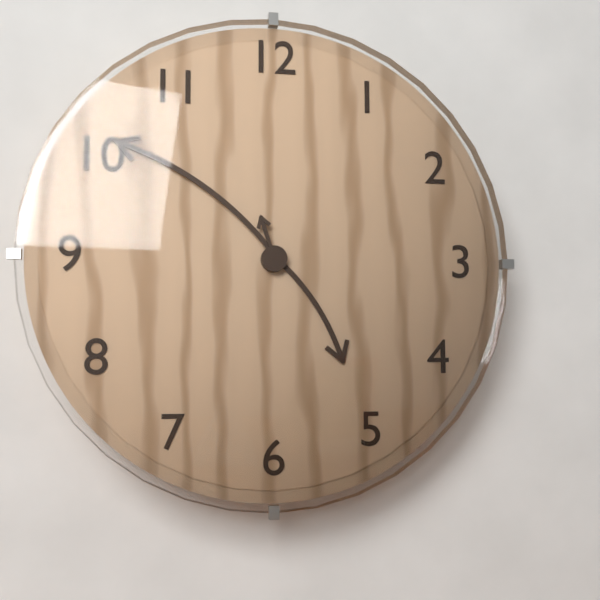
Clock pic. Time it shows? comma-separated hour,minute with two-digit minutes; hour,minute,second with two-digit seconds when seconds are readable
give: 4,51,57
